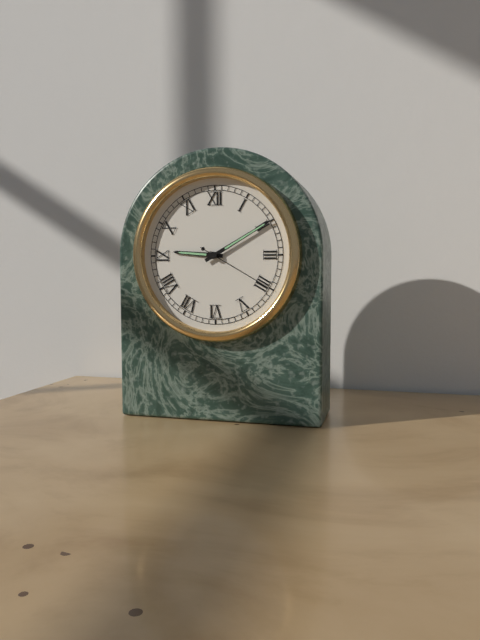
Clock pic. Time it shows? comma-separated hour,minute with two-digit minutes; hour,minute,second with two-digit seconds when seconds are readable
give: 9,10,20
